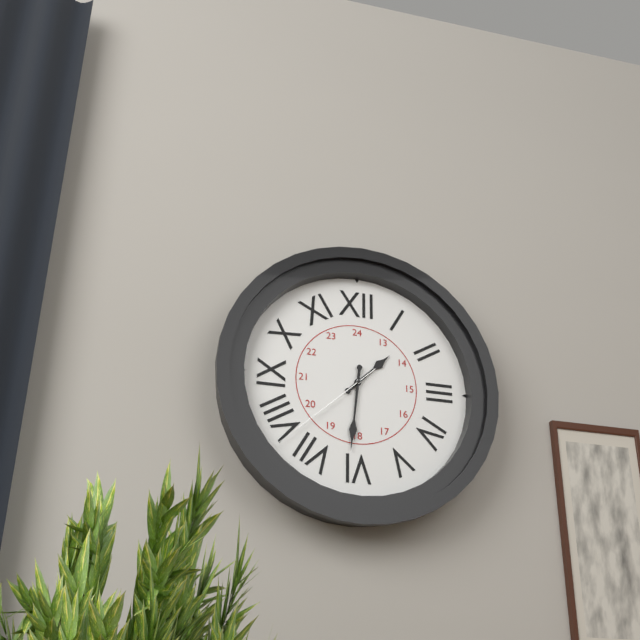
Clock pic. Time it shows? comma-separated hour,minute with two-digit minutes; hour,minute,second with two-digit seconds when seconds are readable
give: 1,31,38
